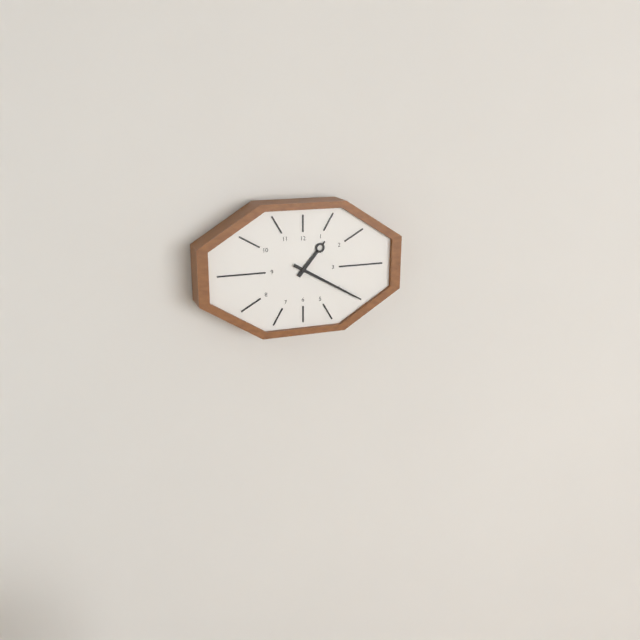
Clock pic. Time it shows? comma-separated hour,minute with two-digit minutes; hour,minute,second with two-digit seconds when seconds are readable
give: 1,20
